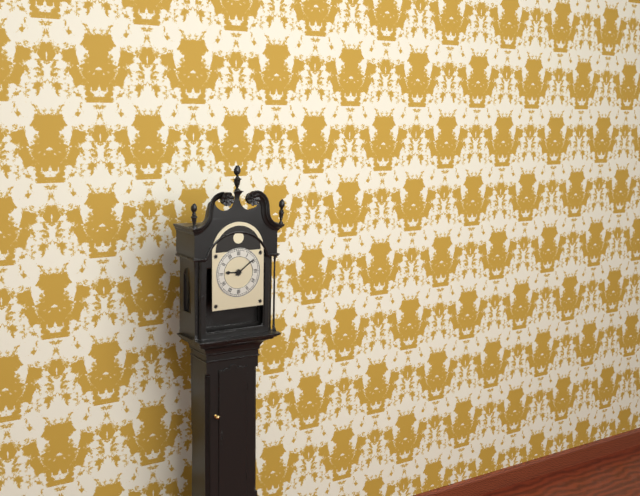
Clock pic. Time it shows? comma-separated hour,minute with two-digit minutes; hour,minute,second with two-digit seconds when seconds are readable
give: 9,09
